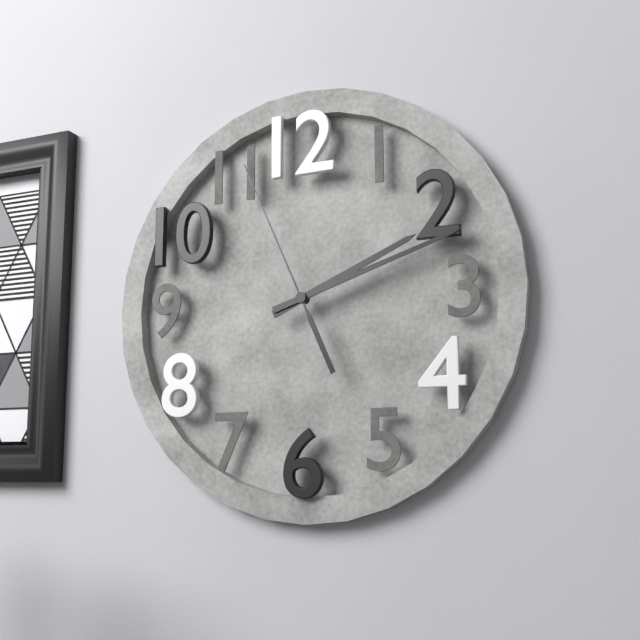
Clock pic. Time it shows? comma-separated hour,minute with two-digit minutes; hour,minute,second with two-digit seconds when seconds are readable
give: 2,12,56
